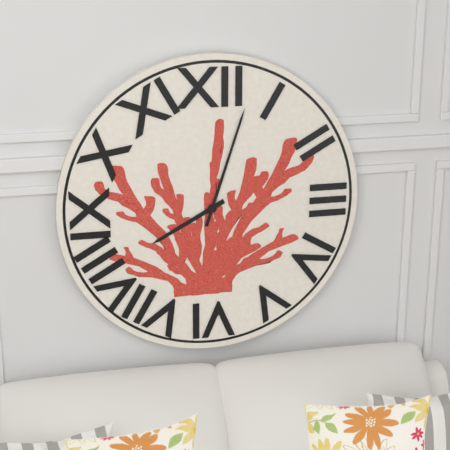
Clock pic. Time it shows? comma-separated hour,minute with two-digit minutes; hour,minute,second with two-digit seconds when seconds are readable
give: 8,03
